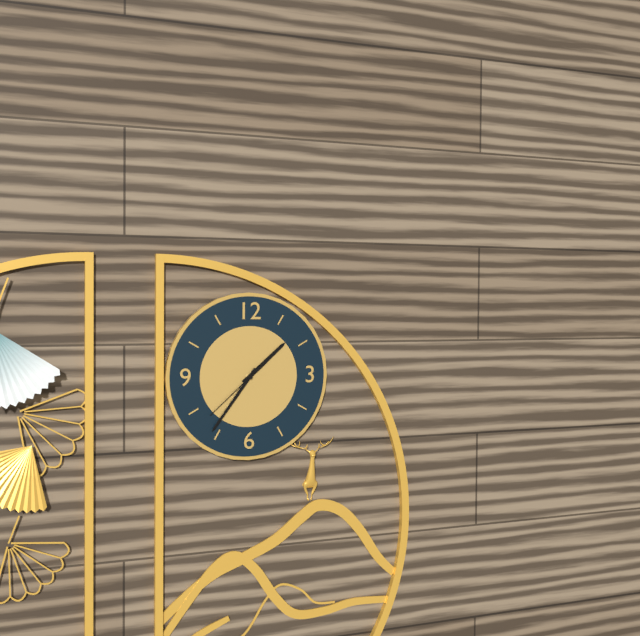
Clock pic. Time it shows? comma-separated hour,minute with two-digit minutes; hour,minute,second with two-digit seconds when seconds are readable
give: 1,36,38
